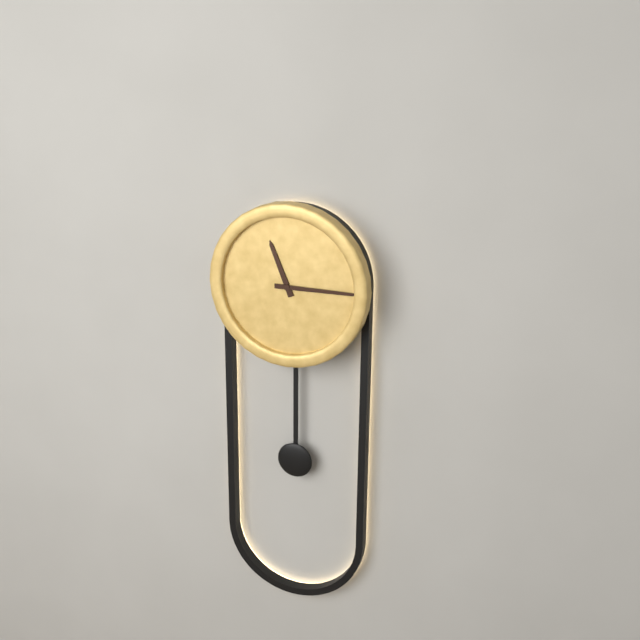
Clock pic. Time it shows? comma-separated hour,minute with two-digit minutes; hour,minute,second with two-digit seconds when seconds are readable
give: 11,15
